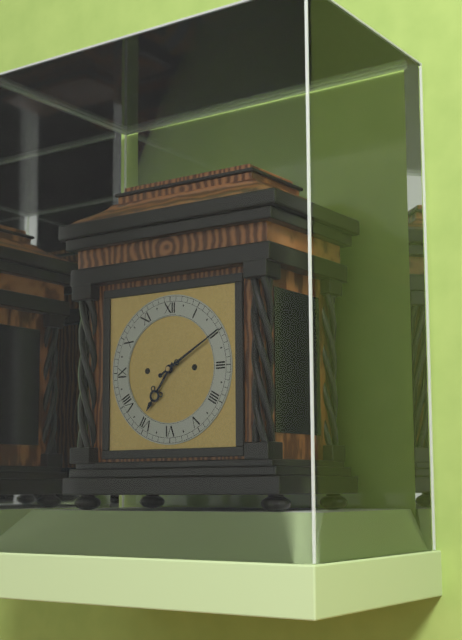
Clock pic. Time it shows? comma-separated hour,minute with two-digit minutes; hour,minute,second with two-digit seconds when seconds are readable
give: 7,10
